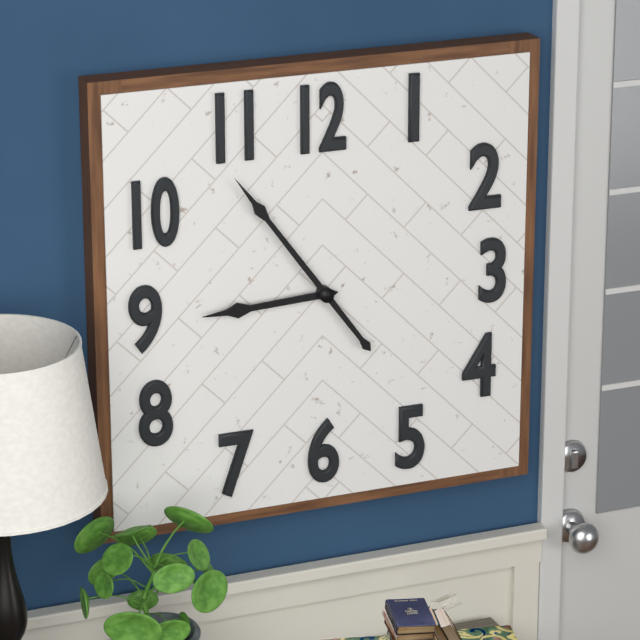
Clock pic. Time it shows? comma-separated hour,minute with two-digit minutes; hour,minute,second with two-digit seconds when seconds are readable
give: 8,54
